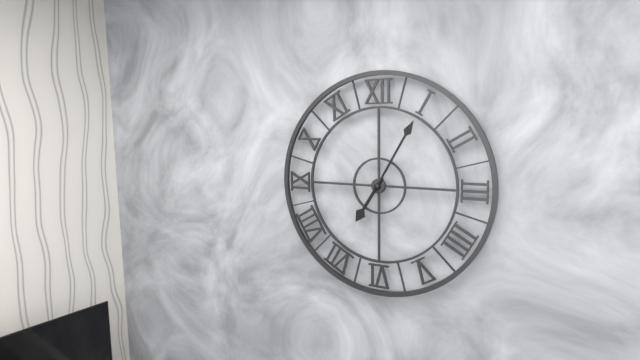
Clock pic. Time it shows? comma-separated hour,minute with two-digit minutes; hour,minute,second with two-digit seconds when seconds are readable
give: 7,05
